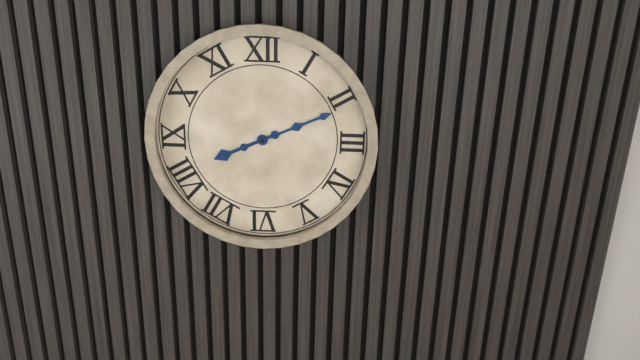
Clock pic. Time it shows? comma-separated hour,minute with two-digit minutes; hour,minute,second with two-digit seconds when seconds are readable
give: 8,11
